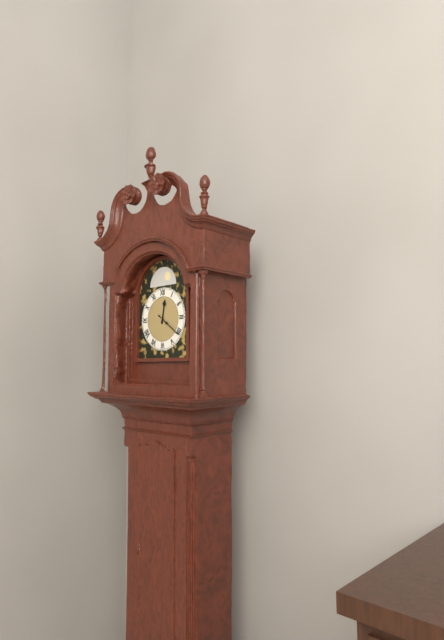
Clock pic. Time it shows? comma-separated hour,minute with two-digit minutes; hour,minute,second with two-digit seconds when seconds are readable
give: 12,21
